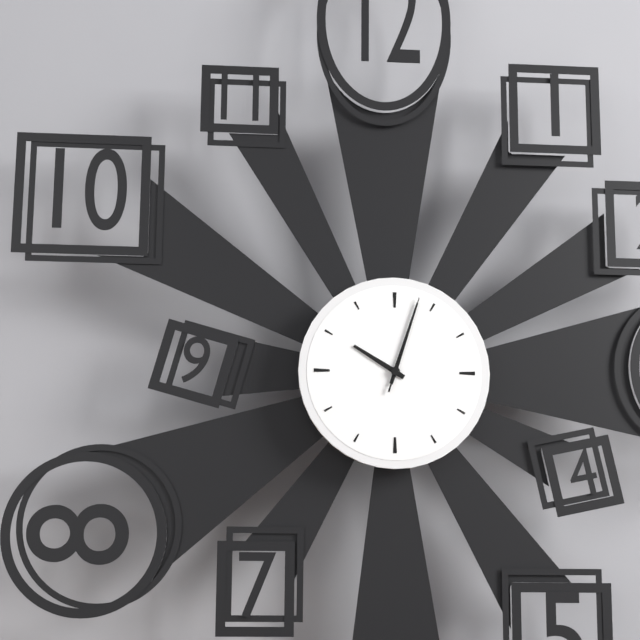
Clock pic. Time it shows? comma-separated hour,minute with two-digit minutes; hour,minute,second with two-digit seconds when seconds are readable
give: 10,03,03
